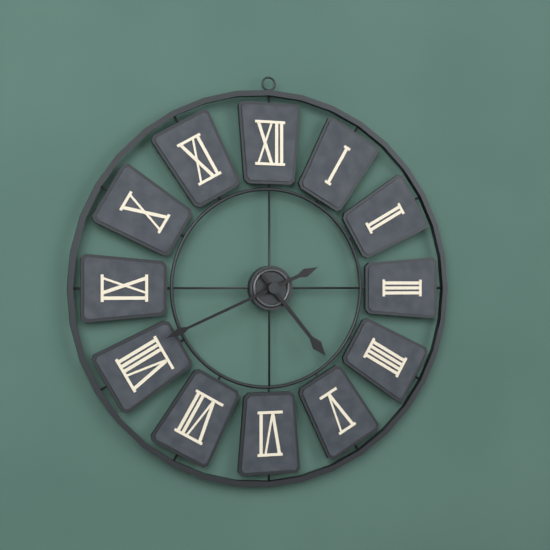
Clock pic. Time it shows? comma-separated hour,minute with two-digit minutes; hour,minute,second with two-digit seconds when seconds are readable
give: 4,41
